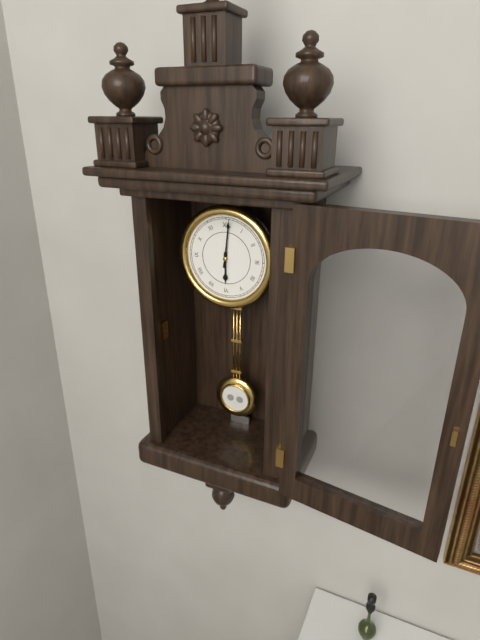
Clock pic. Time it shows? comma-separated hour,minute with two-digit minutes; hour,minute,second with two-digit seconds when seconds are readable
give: 6,01
